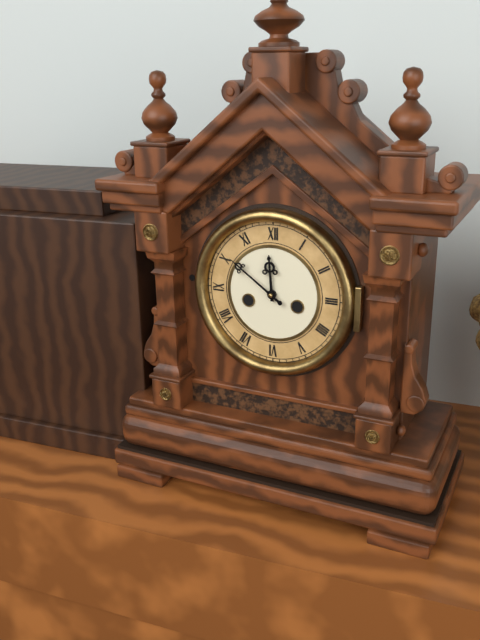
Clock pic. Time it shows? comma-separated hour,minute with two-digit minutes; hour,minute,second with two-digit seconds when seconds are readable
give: 11,51
